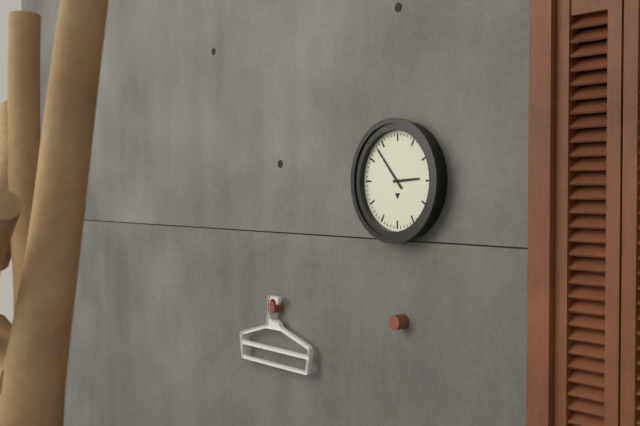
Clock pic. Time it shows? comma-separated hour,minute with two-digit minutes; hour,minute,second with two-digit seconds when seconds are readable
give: 2,53
